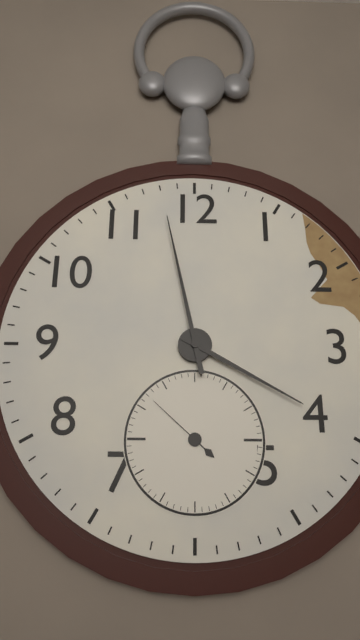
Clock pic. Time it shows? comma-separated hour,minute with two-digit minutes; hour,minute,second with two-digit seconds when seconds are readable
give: 3,58,52
